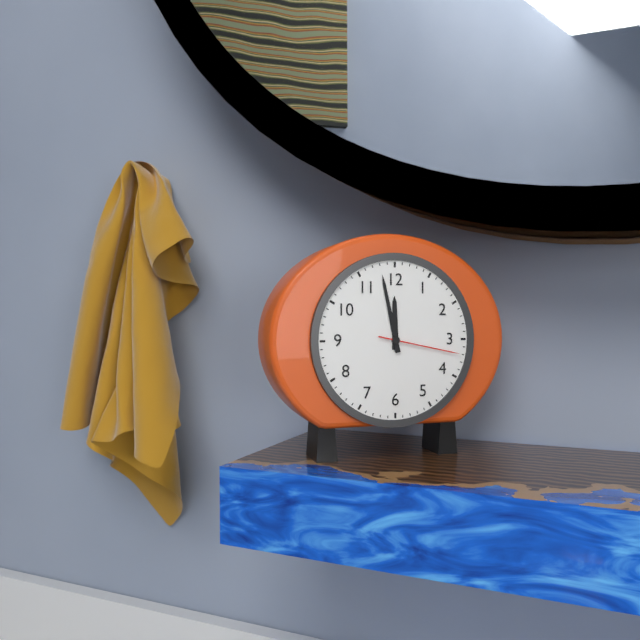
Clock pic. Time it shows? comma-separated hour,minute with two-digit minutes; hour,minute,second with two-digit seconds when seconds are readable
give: 11,58,17
